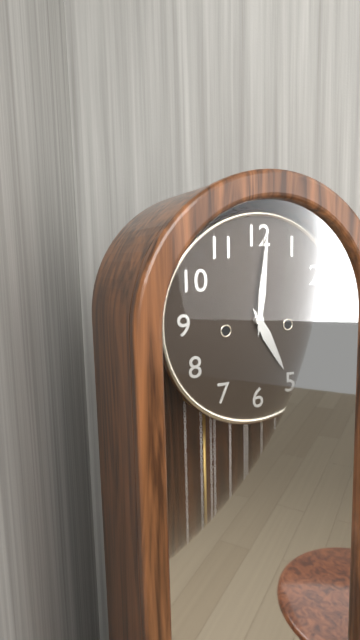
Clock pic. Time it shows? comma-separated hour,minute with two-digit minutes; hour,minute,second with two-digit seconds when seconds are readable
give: 5,01
